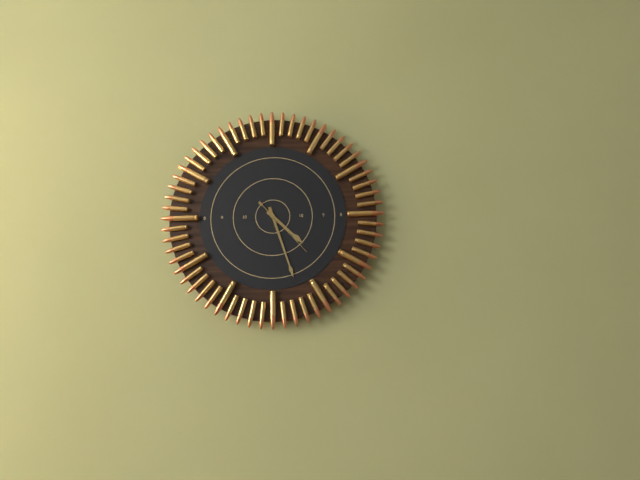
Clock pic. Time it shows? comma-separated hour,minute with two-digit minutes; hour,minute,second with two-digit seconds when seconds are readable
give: 4,27,23
